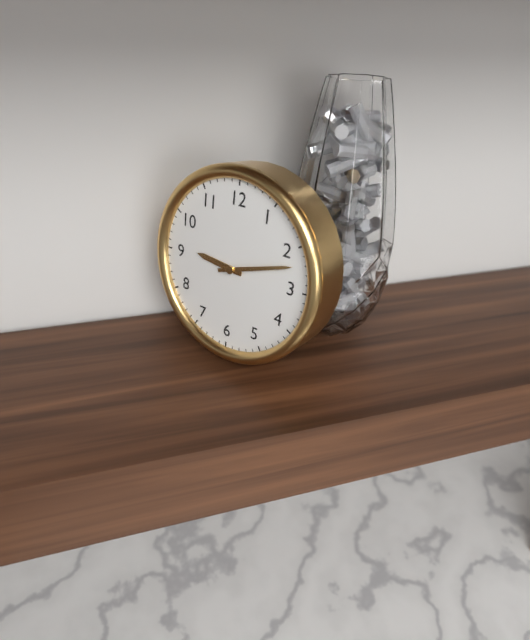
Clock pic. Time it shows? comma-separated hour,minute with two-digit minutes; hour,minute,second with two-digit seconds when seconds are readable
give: 9,12
